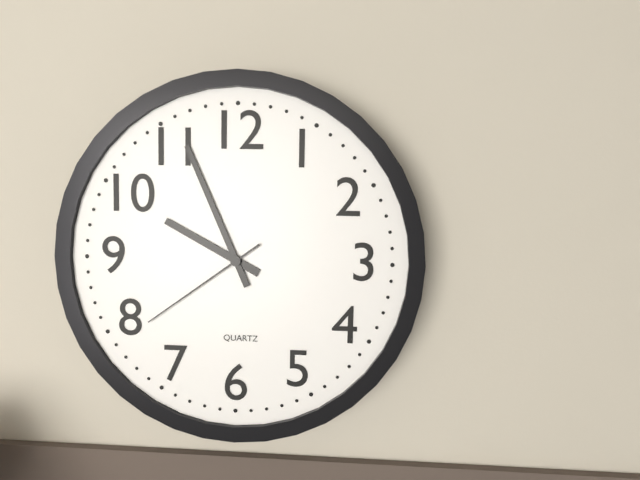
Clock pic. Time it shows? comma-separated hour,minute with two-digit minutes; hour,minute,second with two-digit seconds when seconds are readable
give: 9,56,39
